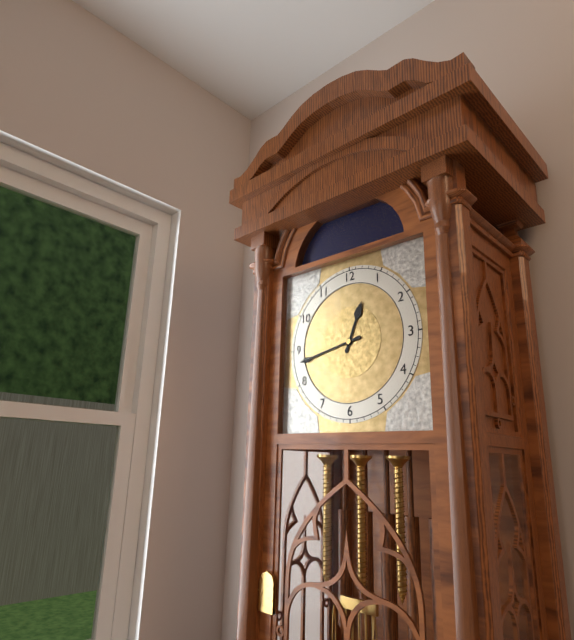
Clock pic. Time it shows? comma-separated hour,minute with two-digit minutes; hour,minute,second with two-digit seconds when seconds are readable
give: 12,43
